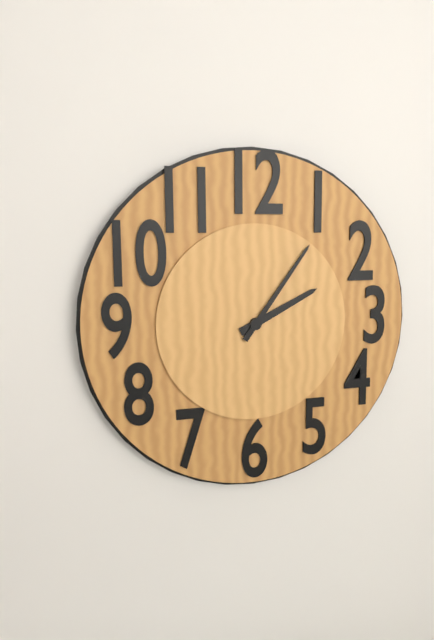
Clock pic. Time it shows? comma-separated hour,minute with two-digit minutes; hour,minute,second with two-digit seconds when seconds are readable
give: 2,06
